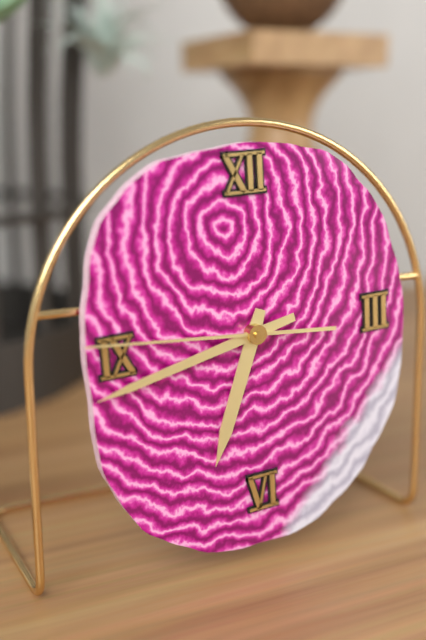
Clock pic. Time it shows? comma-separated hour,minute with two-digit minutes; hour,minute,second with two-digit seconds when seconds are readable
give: 6,43,46
